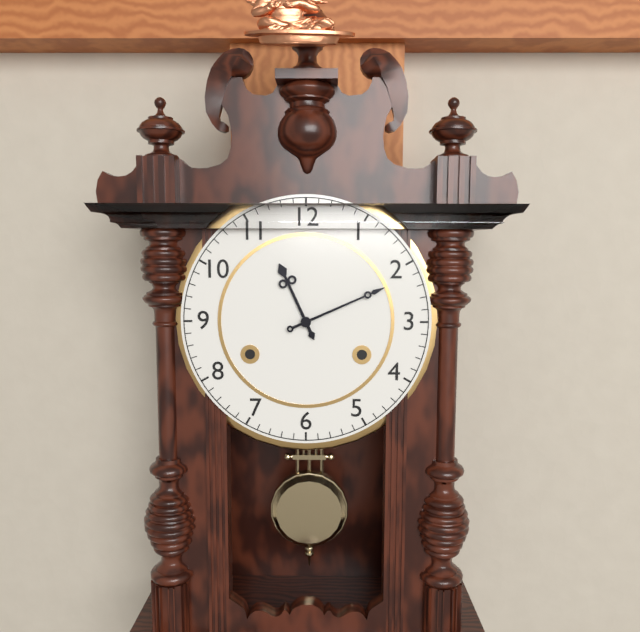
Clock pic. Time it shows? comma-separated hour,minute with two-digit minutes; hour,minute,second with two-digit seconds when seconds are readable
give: 11,11
